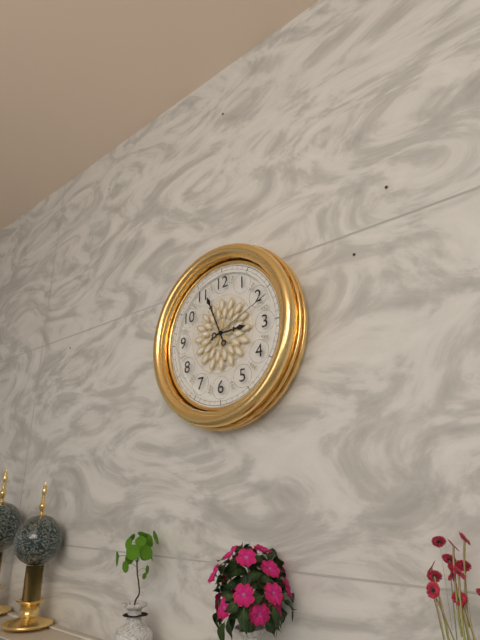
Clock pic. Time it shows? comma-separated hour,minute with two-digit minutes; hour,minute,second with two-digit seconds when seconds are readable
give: 2,56,11
